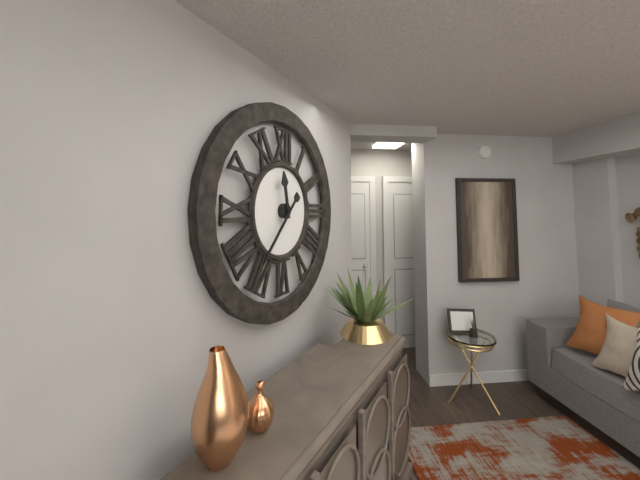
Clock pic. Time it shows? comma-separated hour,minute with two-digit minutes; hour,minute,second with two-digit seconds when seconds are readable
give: 11,37
